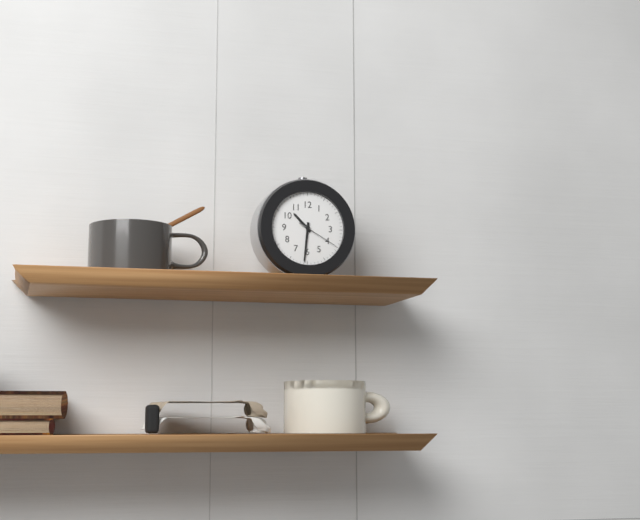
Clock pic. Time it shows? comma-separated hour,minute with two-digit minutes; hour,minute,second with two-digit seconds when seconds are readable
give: 10,31
